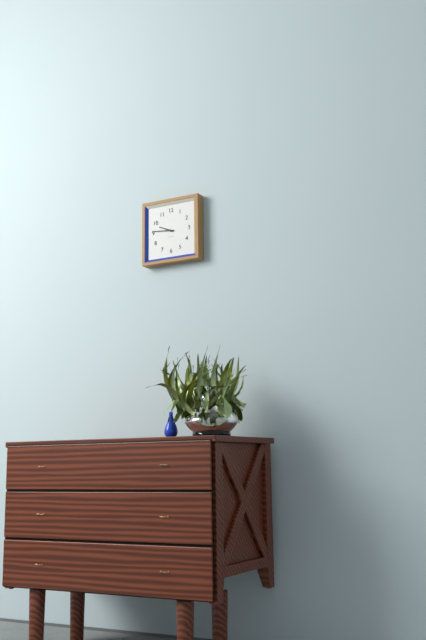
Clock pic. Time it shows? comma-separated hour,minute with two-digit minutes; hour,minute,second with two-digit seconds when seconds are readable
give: 9,46
